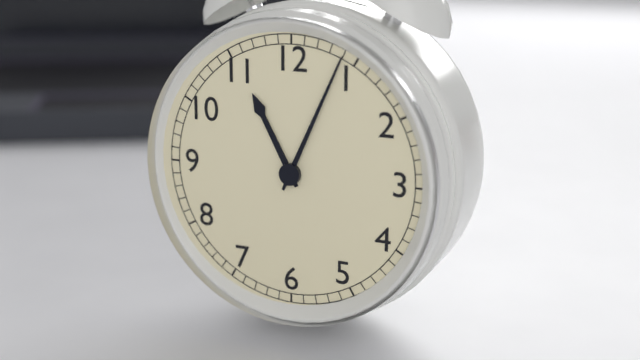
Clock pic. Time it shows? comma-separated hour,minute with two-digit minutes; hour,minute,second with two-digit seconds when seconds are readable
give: 11,04
